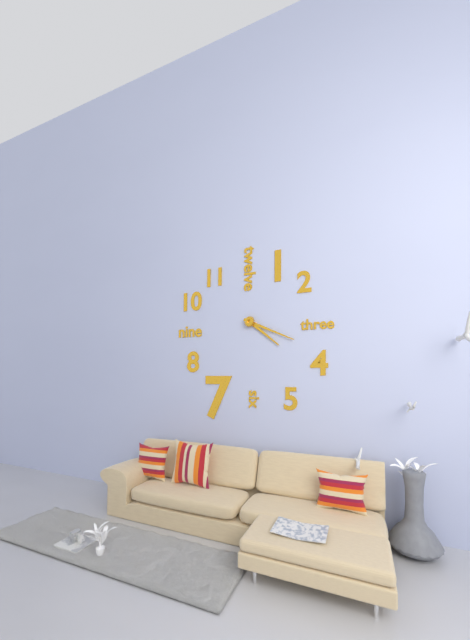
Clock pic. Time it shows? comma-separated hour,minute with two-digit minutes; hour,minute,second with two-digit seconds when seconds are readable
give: 4,19
